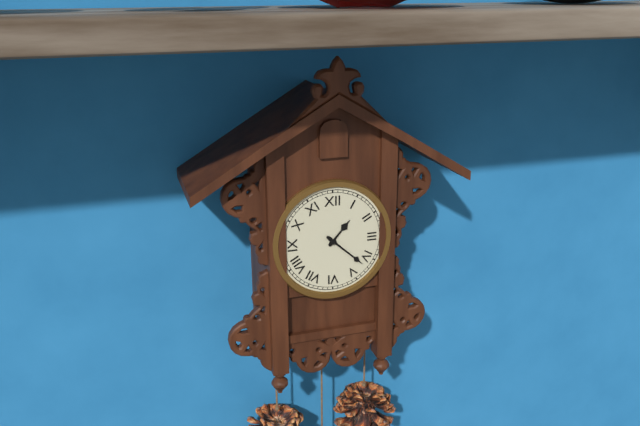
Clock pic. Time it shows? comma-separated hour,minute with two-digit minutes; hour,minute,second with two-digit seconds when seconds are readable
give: 1,22
